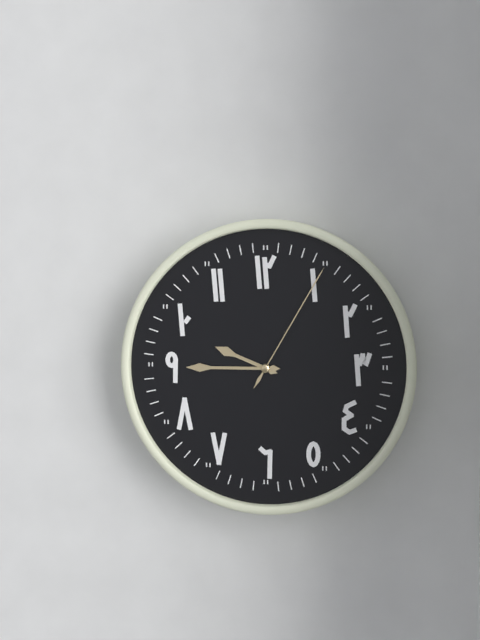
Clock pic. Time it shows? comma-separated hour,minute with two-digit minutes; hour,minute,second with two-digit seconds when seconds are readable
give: 9,45,05
